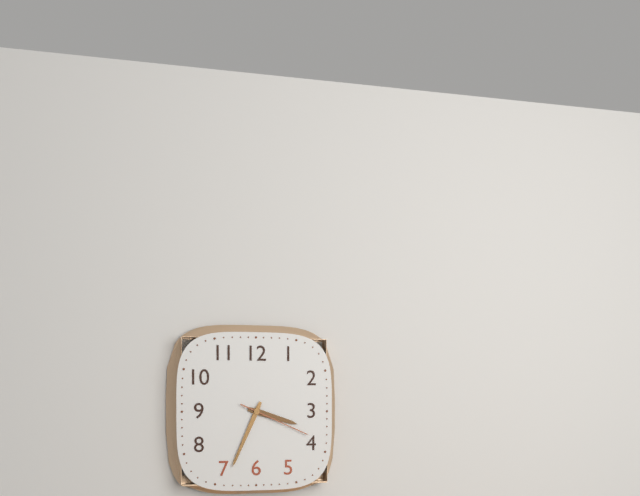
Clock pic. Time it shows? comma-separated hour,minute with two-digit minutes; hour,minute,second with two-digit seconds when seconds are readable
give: 3,34,19
